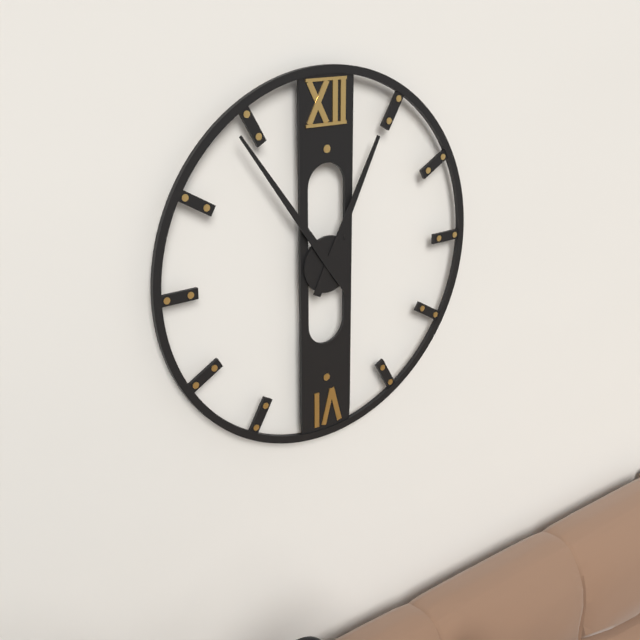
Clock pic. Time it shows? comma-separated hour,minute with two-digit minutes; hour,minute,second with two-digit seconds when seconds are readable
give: 12,54
